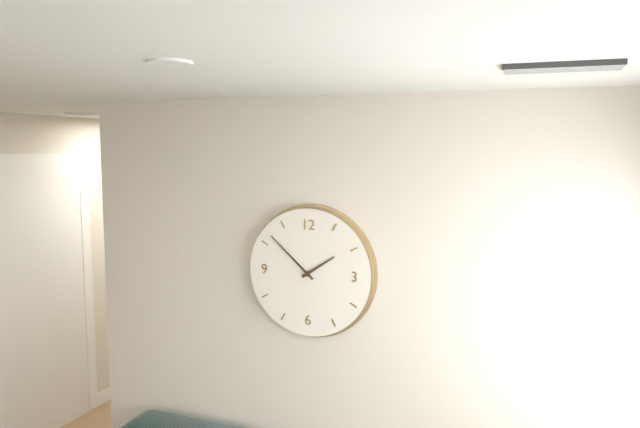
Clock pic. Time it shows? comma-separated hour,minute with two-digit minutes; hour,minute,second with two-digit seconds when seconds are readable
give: 1,52
